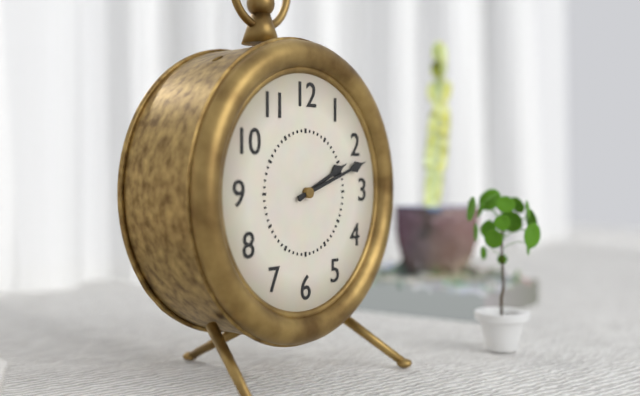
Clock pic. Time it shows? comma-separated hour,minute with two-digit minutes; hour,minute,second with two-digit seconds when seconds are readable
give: 2,12
